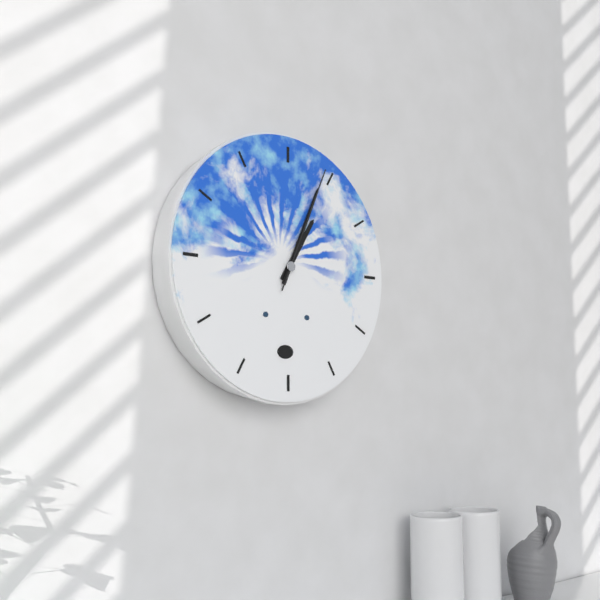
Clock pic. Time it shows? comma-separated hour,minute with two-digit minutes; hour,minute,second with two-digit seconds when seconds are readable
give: 1,04,04
